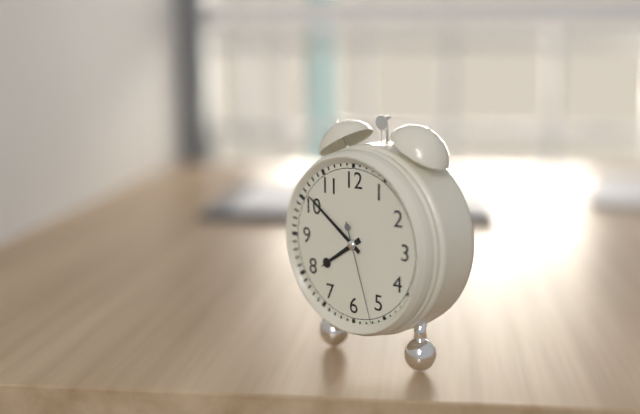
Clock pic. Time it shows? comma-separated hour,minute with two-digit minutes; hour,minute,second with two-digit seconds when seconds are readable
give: 7,51,27
